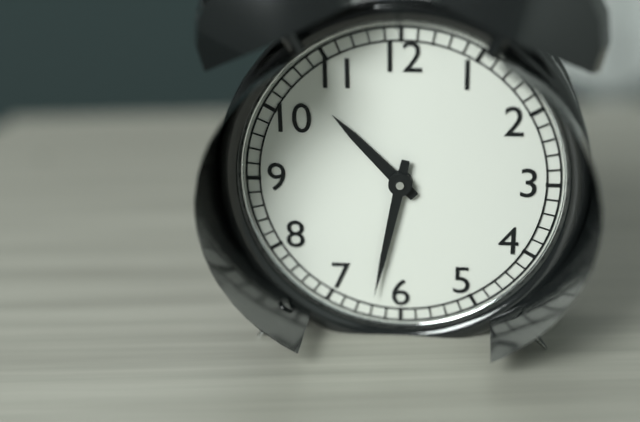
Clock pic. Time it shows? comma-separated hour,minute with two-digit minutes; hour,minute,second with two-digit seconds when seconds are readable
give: 10,32
